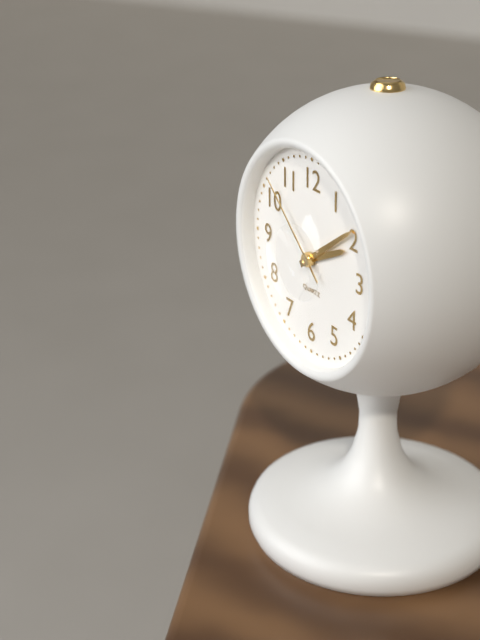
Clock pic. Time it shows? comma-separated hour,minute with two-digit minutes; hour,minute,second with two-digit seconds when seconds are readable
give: 2,09,52
